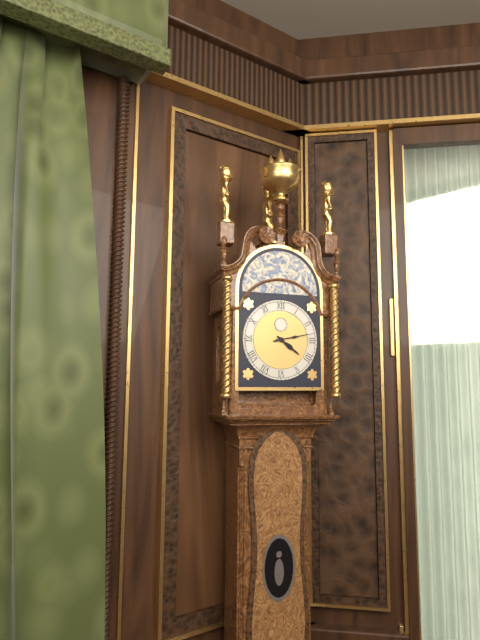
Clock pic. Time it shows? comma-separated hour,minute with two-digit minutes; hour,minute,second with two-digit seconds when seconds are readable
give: 4,13
